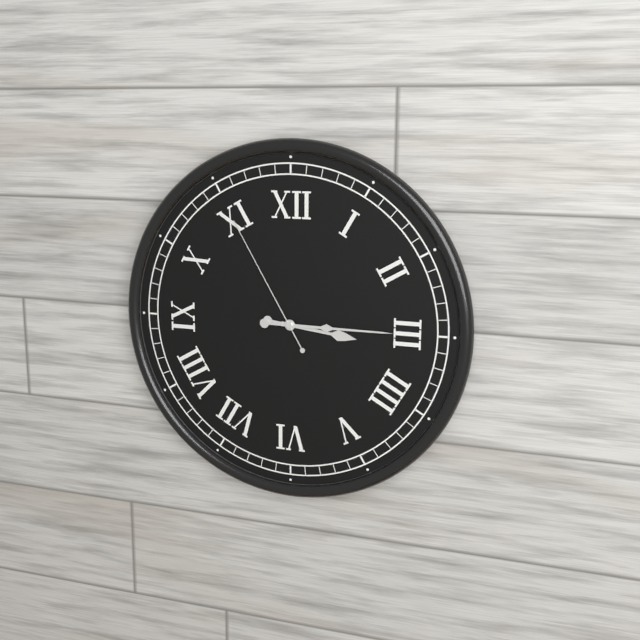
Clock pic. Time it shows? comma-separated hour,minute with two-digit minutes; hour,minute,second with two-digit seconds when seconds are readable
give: 3,15,55
